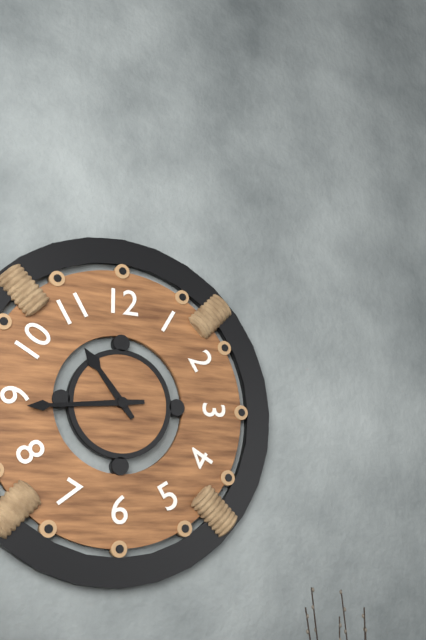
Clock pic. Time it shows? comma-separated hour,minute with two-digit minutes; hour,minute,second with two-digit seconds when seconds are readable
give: 10,44
